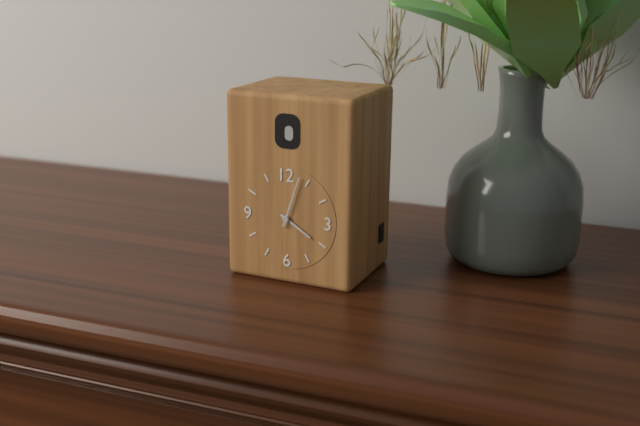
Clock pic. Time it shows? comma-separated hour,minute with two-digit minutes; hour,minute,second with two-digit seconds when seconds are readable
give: 4,03
